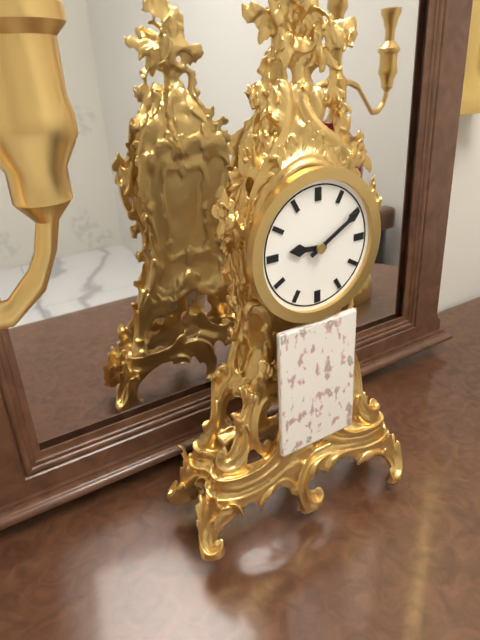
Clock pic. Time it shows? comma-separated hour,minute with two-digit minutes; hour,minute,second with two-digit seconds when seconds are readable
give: 9,10
